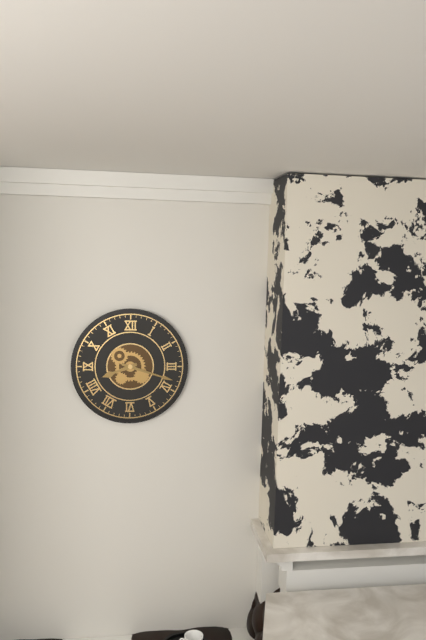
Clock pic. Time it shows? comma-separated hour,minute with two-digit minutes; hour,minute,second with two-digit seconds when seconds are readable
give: 8,18
